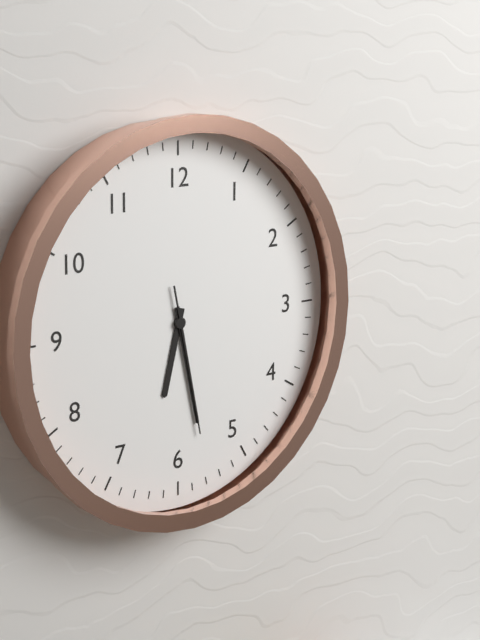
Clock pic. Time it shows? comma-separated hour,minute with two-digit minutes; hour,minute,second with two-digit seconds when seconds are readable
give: 6,28,28
